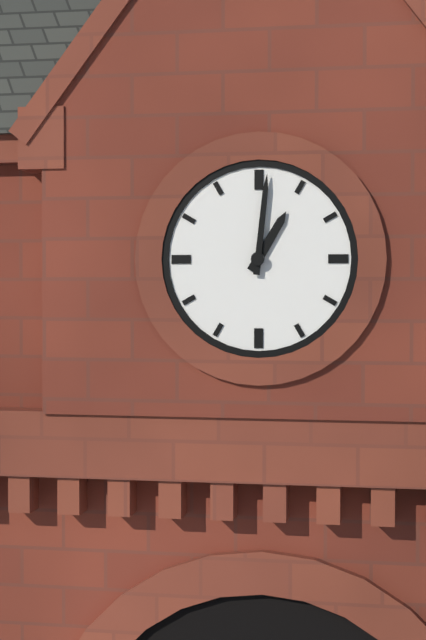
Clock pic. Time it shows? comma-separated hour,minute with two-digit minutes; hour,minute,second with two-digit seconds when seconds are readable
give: 1,01
